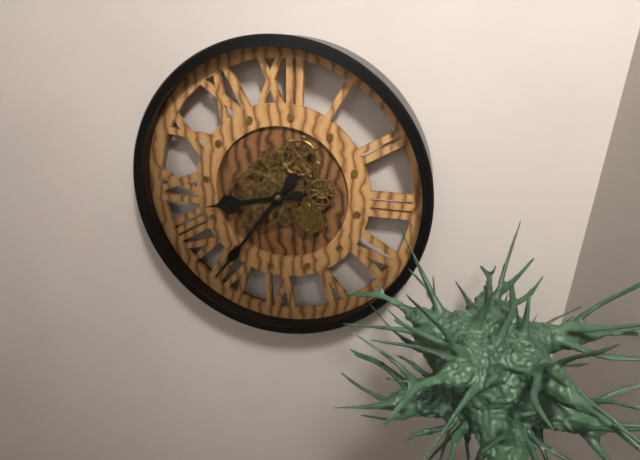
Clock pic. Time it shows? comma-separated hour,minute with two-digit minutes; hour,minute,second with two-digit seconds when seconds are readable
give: 8,36
